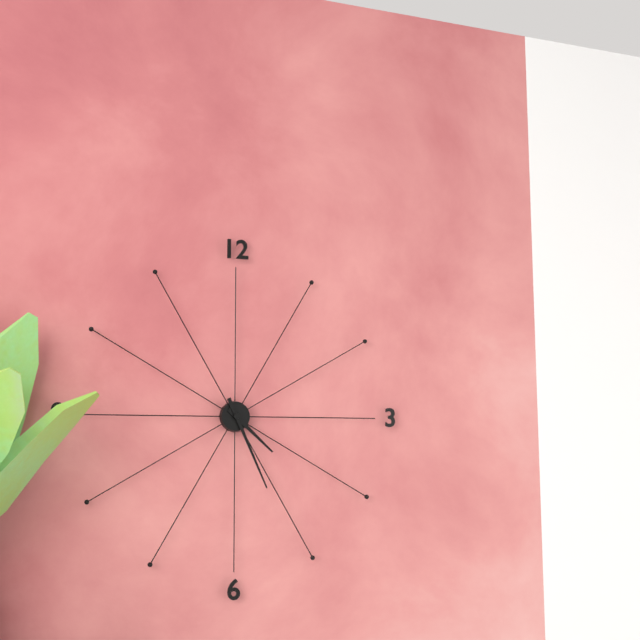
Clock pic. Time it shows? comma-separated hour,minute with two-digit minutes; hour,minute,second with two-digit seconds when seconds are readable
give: 4,26
